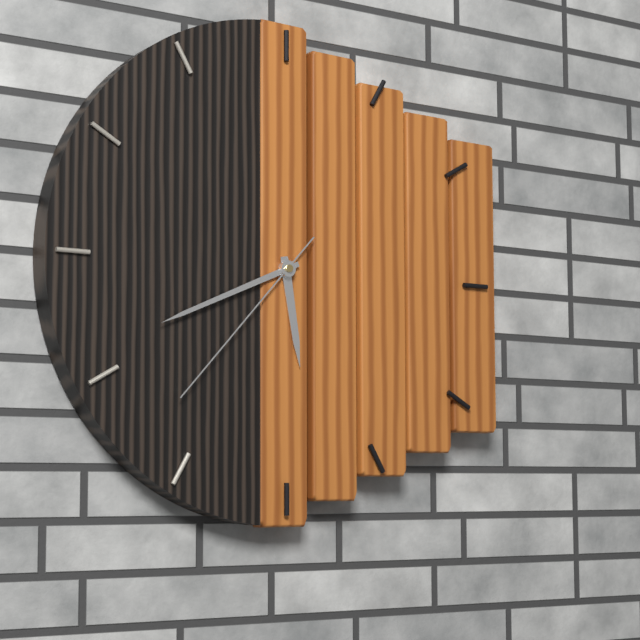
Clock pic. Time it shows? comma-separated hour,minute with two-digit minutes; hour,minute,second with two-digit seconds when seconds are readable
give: 5,41,37
